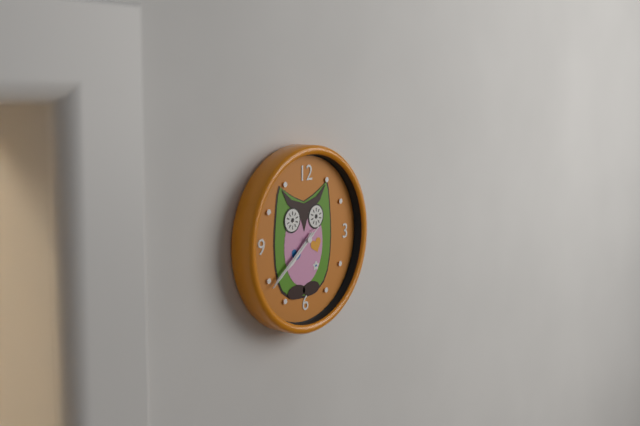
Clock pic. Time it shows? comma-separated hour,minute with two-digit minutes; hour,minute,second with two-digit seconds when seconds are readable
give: 7,39,39
